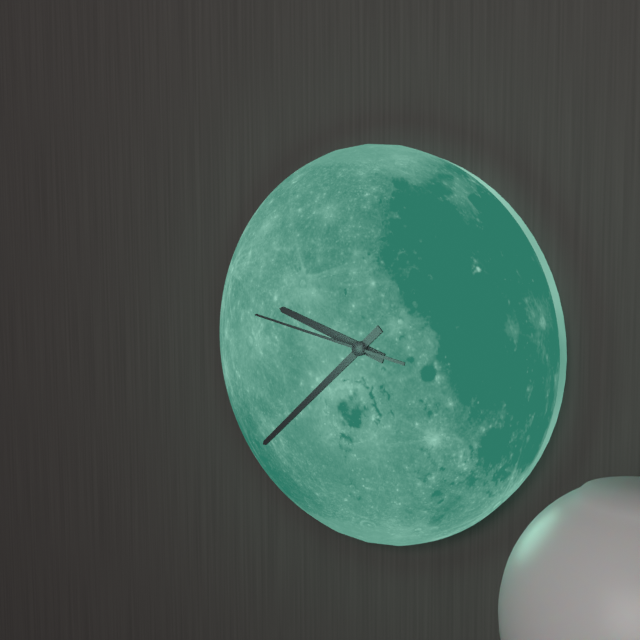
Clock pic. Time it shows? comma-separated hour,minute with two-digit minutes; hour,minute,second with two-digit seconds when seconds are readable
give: 9,38,47
